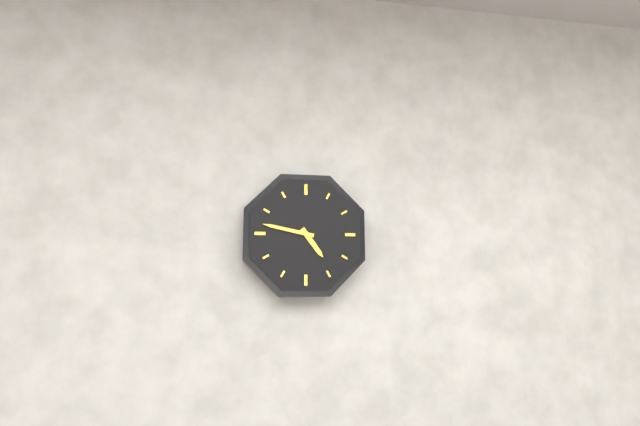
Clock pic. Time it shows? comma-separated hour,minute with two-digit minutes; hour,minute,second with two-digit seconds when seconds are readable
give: 4,47
